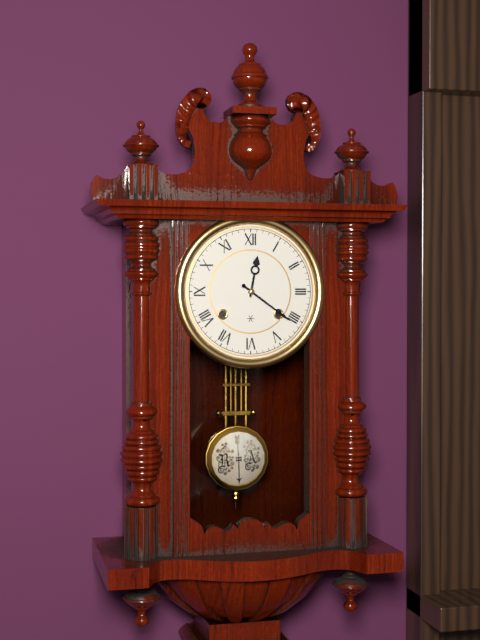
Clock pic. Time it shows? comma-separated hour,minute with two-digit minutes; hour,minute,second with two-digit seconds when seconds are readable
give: 12,21
